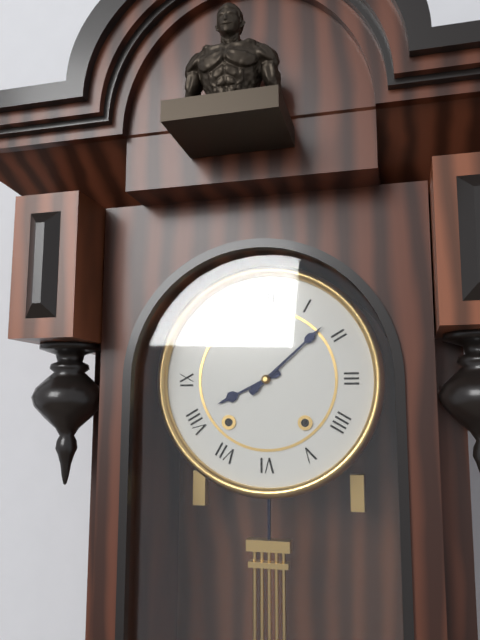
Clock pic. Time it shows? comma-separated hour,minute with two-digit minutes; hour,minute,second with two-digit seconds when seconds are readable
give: 8,08
